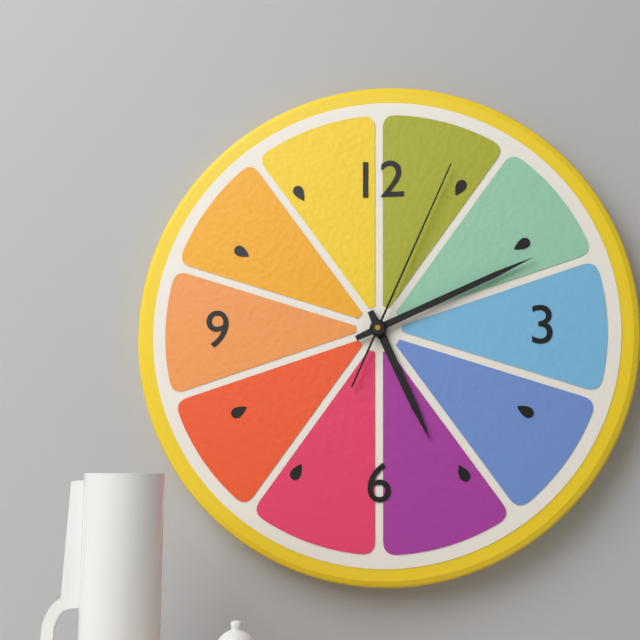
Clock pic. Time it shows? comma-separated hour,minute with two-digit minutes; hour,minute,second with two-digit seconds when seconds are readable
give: 5,11,04
